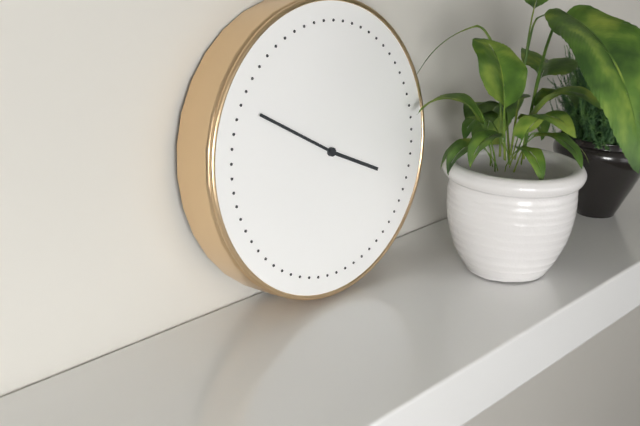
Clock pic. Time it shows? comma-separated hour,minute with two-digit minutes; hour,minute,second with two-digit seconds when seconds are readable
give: 3,50
